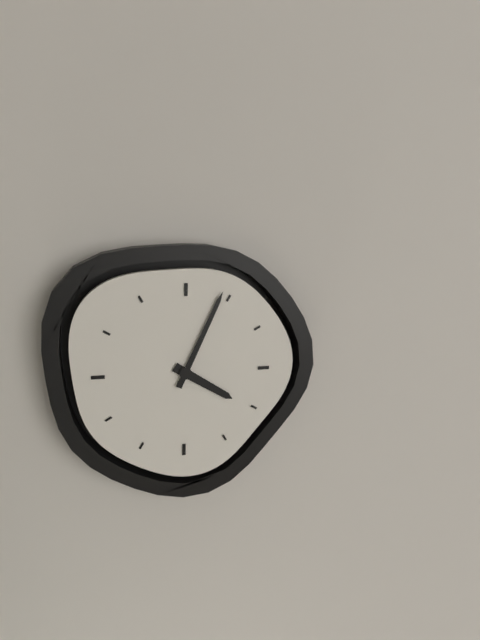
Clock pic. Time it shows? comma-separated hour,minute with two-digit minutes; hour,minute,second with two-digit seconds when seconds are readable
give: 4,04
